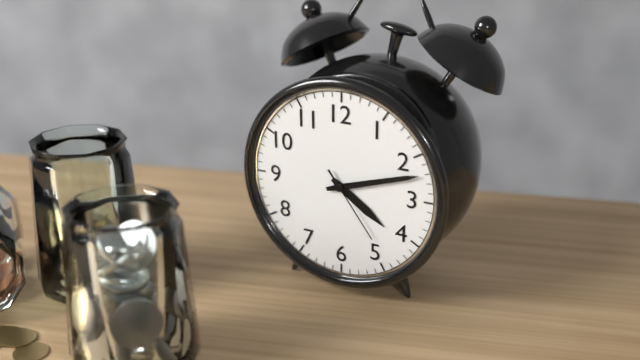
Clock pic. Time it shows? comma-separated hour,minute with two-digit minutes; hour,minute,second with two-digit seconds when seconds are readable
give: 4,12,24
